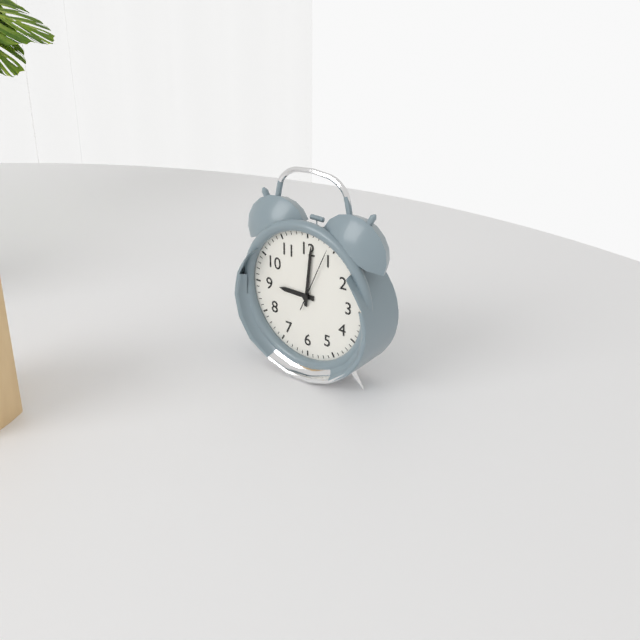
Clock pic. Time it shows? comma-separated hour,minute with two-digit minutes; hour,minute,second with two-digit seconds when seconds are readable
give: 9,01,04
